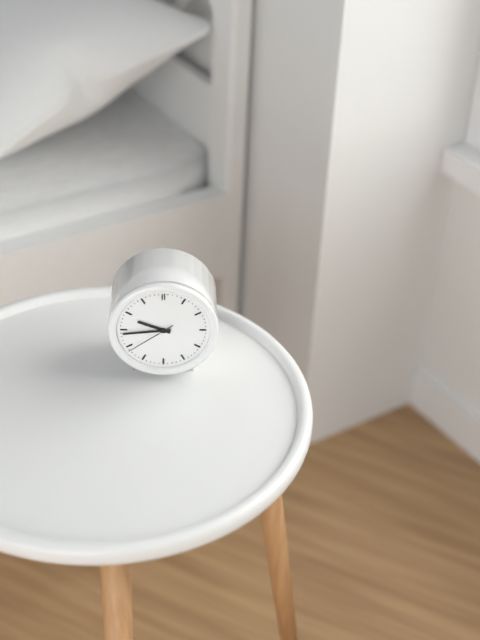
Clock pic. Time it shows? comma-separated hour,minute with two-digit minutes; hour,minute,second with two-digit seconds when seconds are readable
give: 9,44
